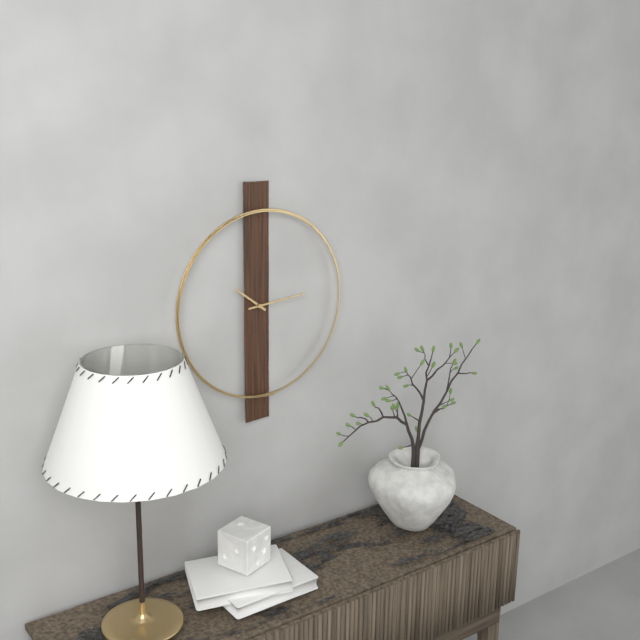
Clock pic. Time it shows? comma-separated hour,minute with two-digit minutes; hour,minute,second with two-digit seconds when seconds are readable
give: 10,14
